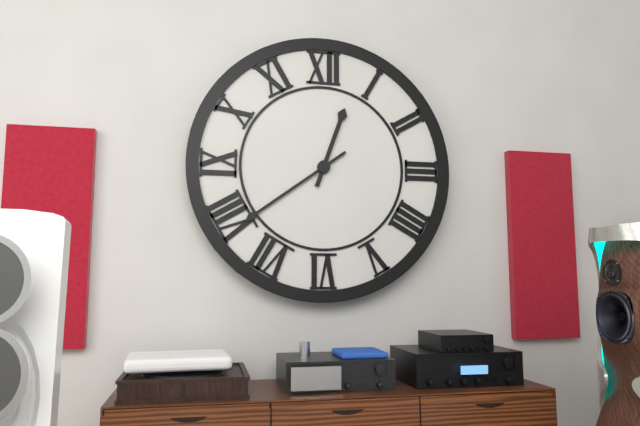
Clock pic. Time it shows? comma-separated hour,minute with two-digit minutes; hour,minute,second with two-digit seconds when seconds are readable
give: 12,39
